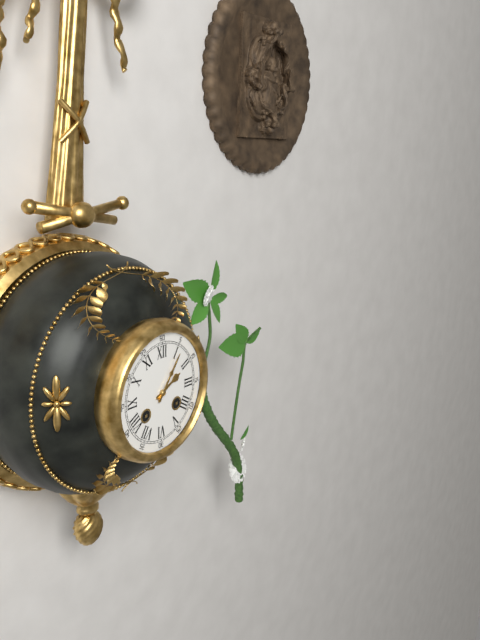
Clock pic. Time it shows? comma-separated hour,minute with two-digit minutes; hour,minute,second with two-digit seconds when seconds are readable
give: 2,06
